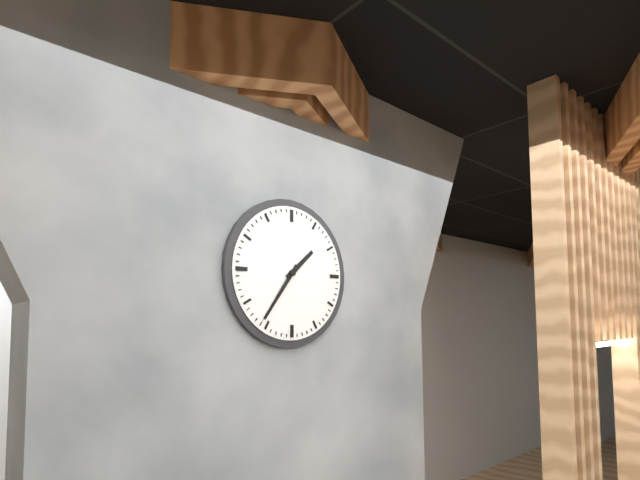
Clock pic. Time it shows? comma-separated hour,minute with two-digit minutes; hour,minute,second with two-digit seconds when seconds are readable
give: 1,36
